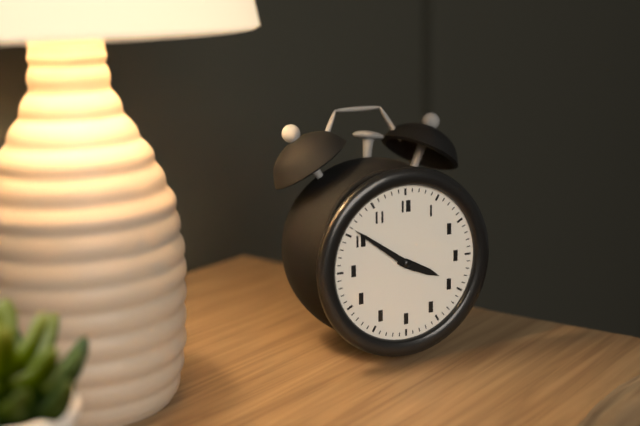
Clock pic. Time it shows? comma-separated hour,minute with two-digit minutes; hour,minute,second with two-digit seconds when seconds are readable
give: 3,51
